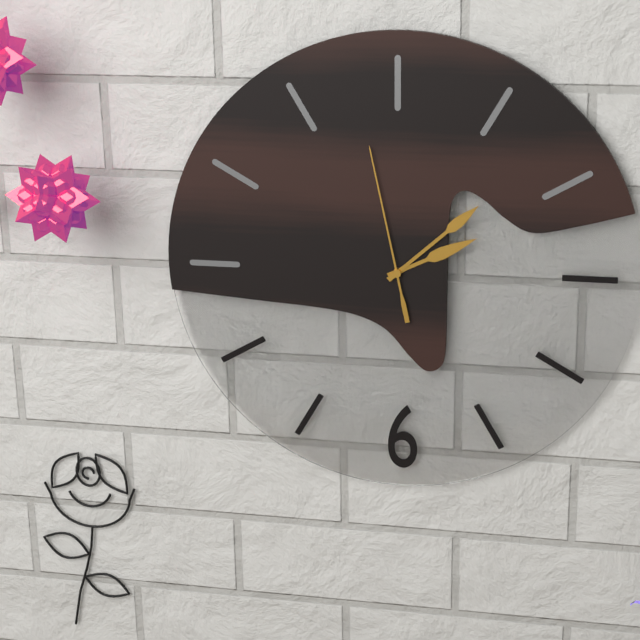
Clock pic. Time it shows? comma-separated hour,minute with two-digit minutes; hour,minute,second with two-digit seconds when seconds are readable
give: 2,08,58
